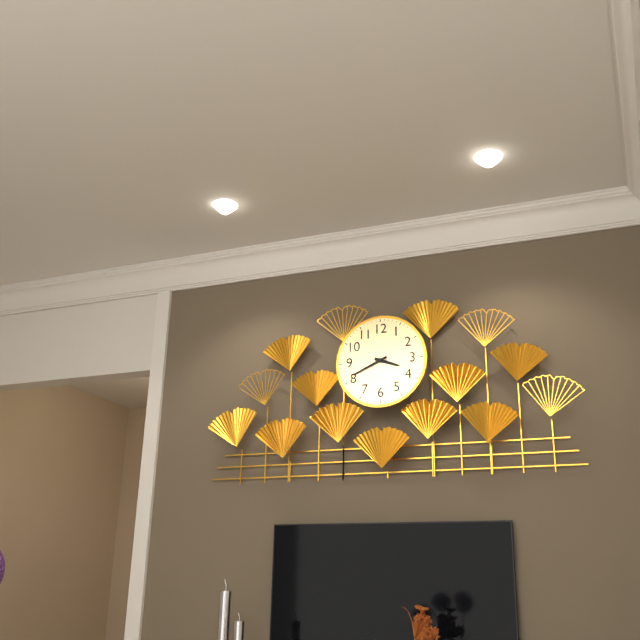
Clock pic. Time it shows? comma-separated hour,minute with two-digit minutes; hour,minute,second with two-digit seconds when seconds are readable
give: 3,41
